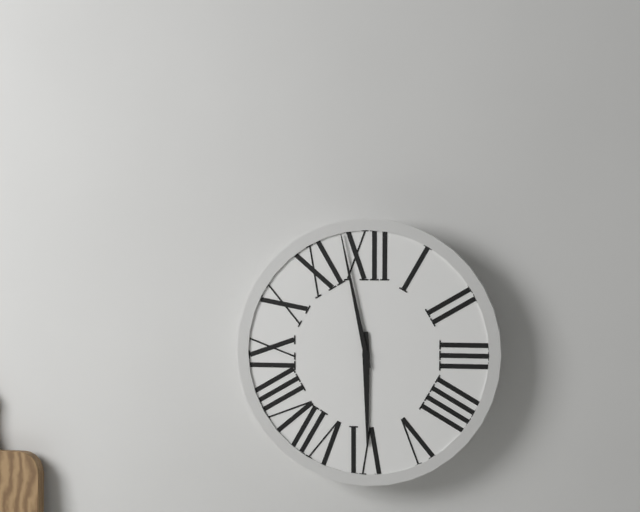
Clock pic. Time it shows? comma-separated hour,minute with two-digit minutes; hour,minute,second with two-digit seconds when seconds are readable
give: 5,58
